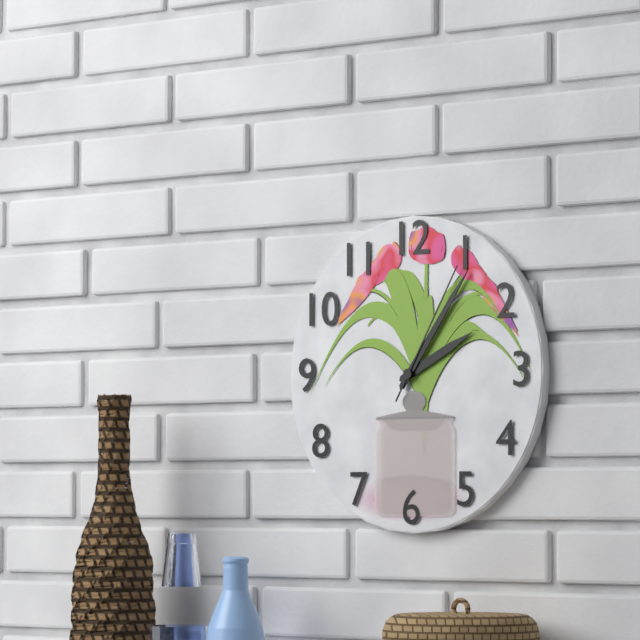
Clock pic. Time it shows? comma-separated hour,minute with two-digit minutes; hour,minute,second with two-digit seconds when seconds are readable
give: 2,06,05
